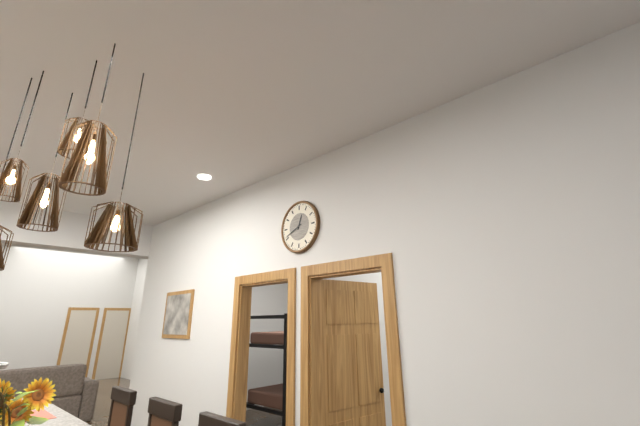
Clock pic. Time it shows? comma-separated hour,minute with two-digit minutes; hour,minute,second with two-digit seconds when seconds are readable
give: 12,41
